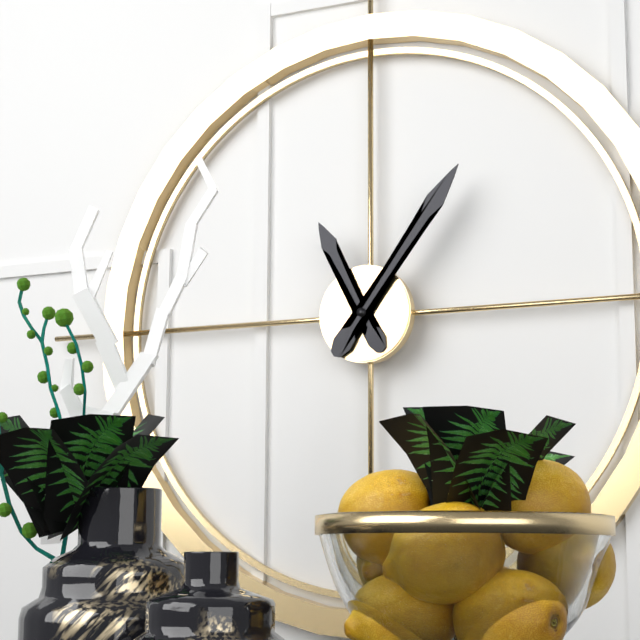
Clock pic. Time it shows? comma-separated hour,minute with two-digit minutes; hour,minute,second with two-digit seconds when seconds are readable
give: 11,06
